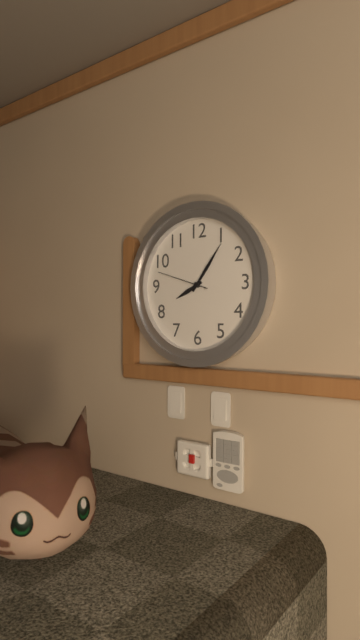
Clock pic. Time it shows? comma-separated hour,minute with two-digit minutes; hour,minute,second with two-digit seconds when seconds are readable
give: 8,06,48
